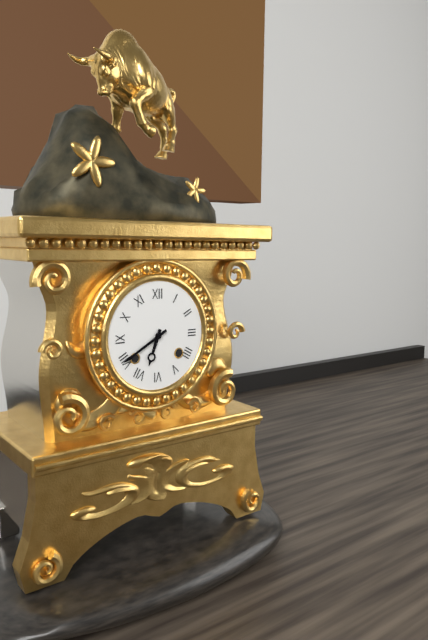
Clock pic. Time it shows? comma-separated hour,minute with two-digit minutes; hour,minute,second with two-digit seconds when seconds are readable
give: 6,40
